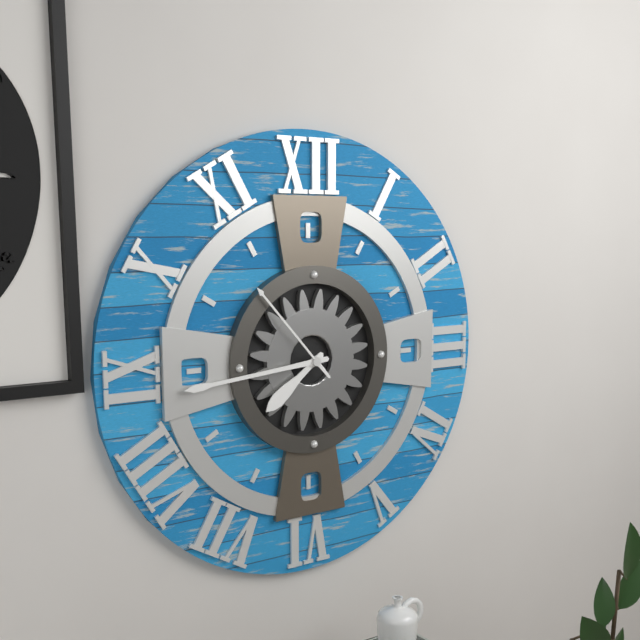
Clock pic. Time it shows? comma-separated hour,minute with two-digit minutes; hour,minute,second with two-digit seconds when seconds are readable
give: 7,44,53
